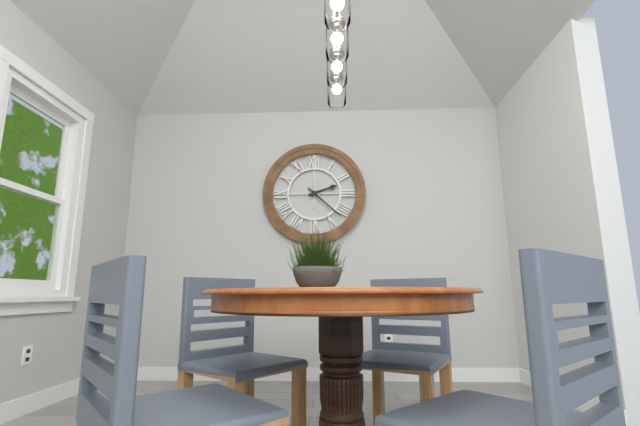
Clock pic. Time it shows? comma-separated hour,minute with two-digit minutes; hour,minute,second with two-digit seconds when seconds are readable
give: 2,22
